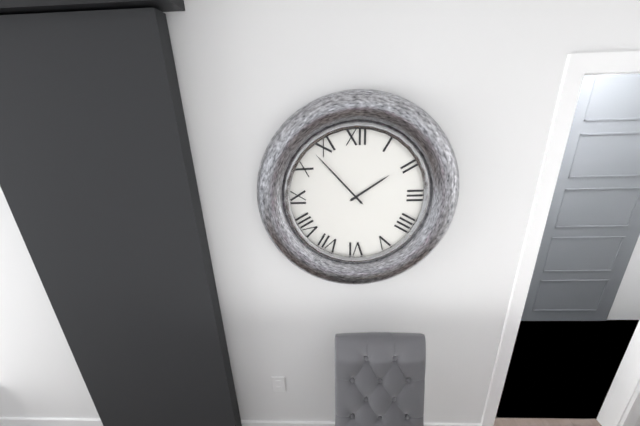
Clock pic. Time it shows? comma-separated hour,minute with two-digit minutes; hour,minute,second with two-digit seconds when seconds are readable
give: 1,53
